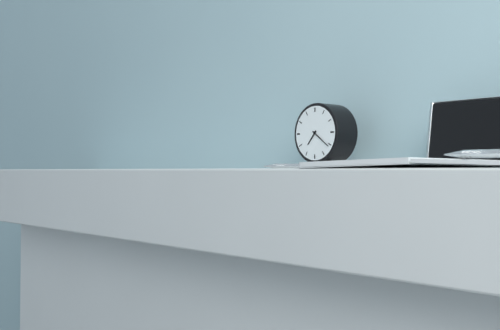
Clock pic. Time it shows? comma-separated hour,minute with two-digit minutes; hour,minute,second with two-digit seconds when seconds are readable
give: 7,21
